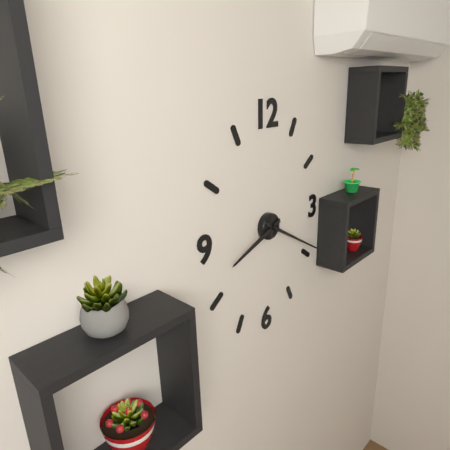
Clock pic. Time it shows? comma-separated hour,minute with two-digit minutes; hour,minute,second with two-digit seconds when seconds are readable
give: 8,20
